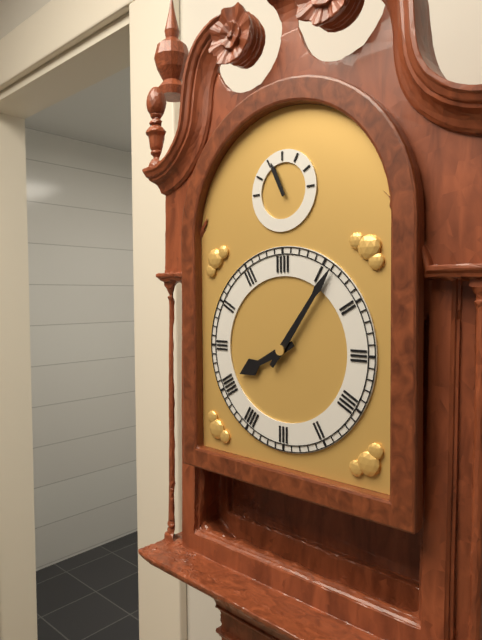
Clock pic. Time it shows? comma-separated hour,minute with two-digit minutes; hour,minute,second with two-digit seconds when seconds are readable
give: 8,06
